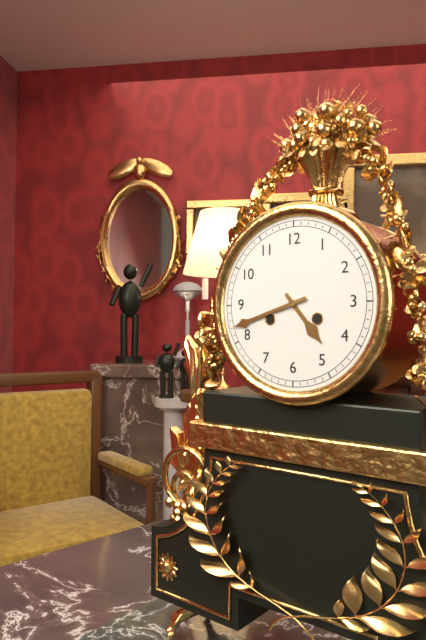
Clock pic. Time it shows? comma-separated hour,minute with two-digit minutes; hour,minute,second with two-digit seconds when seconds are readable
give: 4,42
